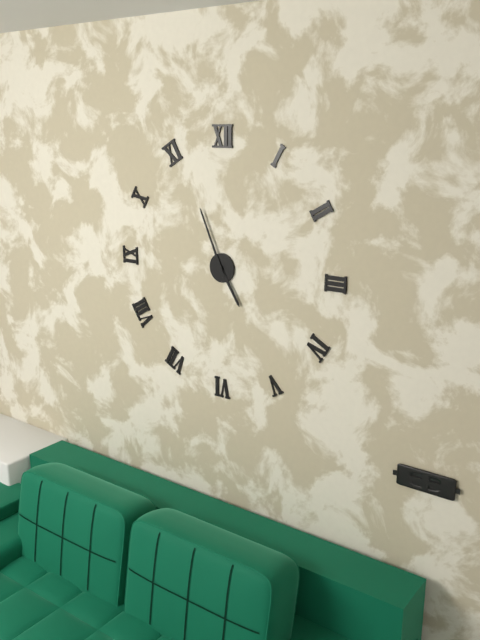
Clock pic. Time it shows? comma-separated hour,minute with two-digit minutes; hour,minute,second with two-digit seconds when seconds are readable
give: 4,56
